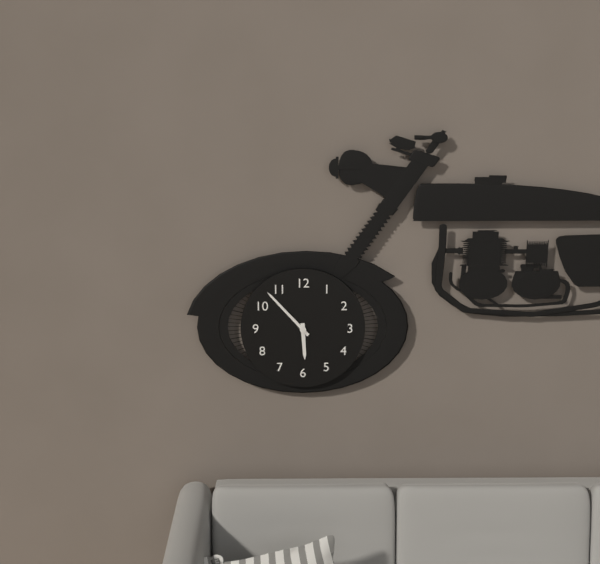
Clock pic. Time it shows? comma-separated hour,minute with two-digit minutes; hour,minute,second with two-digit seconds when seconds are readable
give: 5,53
